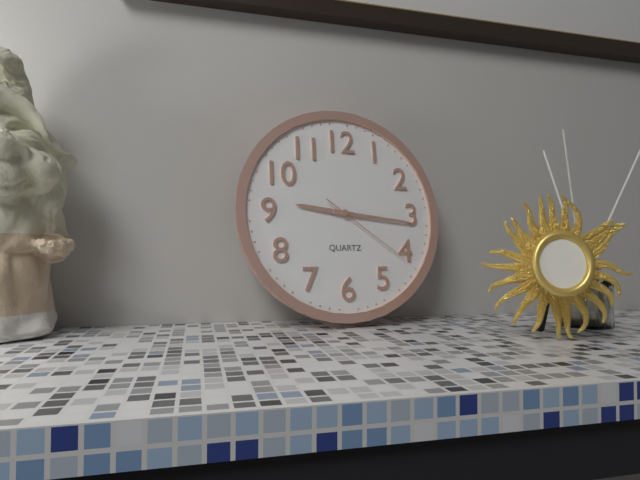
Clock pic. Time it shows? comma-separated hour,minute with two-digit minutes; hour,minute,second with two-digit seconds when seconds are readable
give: 9,16,21
